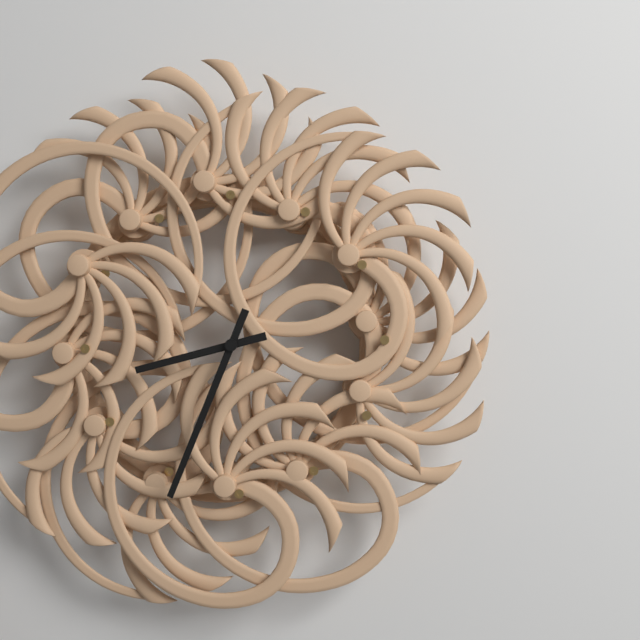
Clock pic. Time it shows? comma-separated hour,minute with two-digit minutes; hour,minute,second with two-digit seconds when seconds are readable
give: 8,34
